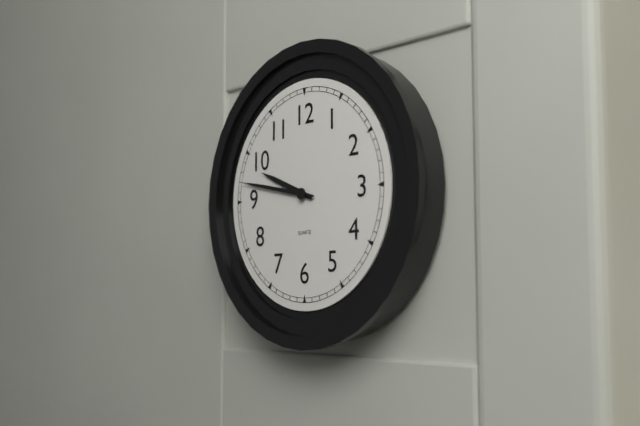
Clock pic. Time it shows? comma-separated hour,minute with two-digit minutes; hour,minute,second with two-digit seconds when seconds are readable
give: 9,47
